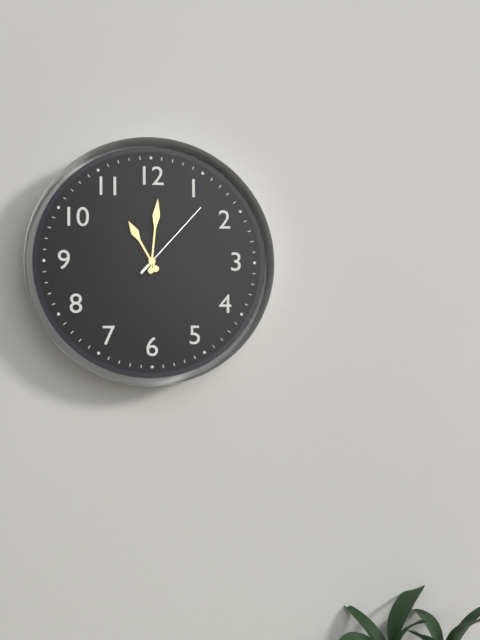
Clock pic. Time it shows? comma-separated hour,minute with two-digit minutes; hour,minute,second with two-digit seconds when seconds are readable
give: 11,01,07
